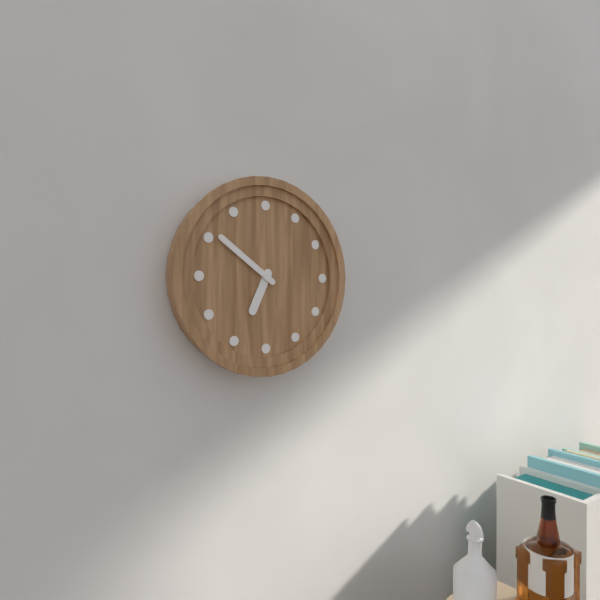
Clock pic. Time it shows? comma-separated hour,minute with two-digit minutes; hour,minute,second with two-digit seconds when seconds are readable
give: 6,51
